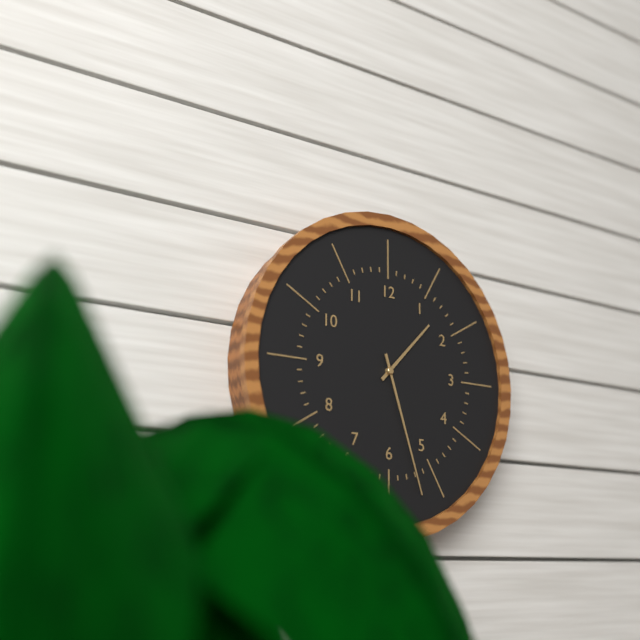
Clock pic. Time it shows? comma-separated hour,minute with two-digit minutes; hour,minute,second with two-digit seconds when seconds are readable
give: 1,27
